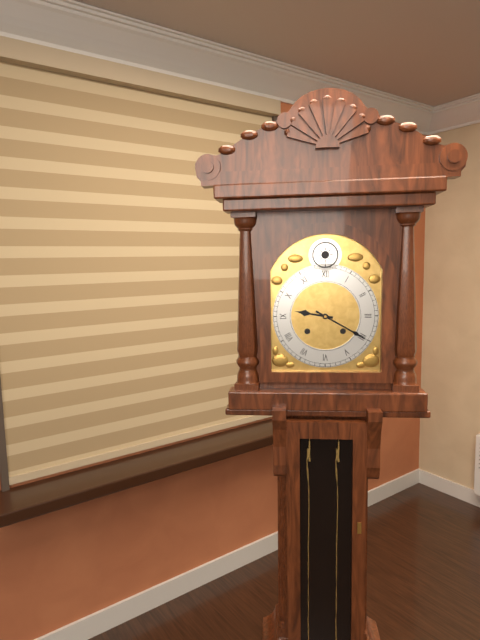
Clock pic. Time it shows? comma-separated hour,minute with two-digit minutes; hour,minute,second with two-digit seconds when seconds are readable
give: 9,20
